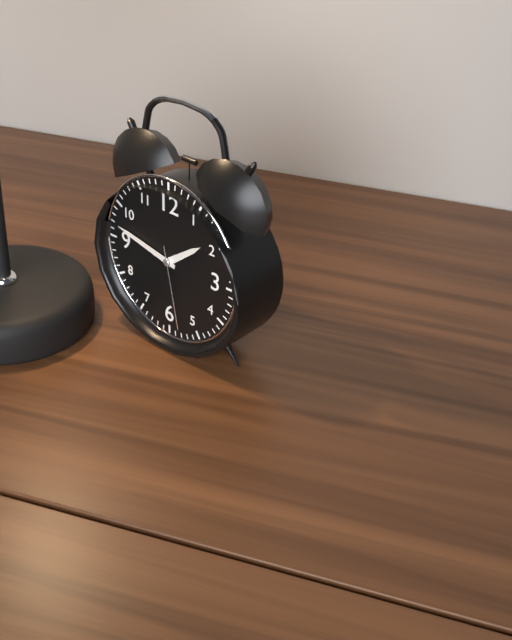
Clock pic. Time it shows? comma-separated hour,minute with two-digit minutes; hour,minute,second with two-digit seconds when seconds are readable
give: 1,47,28
